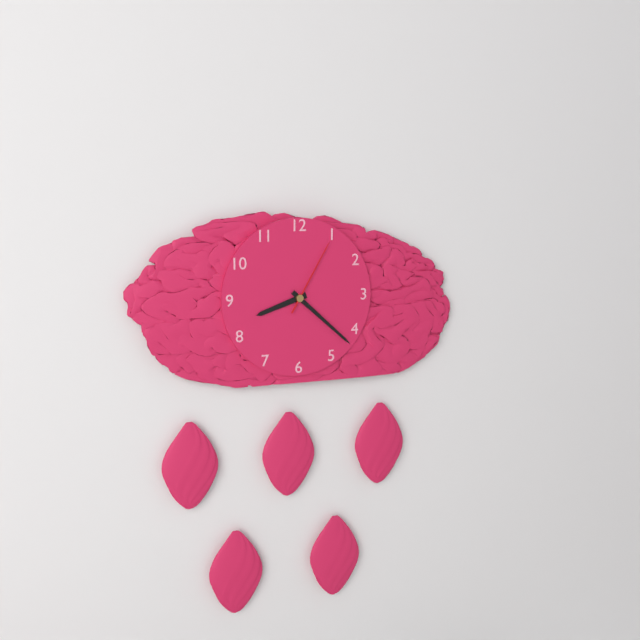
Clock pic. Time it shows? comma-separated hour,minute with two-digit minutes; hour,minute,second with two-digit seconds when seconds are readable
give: 8,22,05
